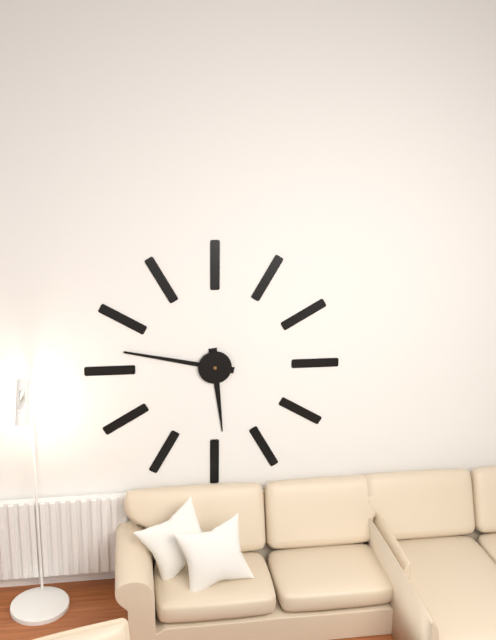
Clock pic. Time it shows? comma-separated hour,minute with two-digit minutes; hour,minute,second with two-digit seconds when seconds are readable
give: 5,47
